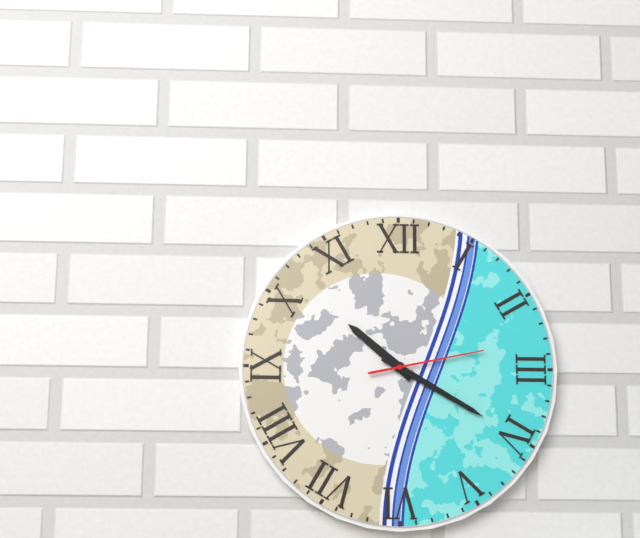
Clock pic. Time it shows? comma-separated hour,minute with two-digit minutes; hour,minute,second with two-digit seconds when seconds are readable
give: 10,20,13
